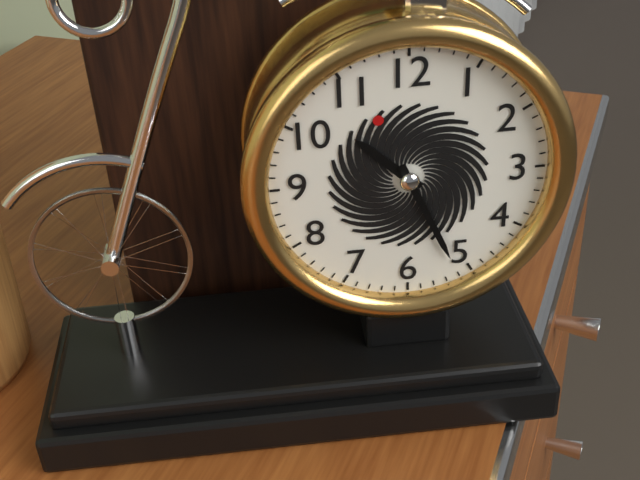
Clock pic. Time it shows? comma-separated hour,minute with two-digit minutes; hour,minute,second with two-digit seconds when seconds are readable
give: 10,26
